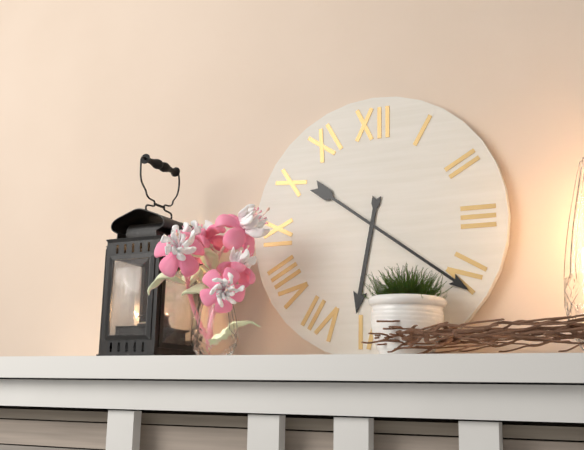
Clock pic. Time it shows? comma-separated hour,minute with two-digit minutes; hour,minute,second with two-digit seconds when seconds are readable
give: 6,21
